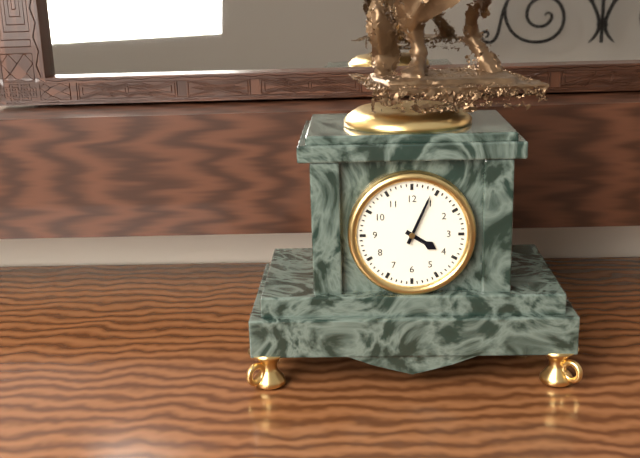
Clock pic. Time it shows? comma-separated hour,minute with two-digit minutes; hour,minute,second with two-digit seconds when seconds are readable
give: 4,04
